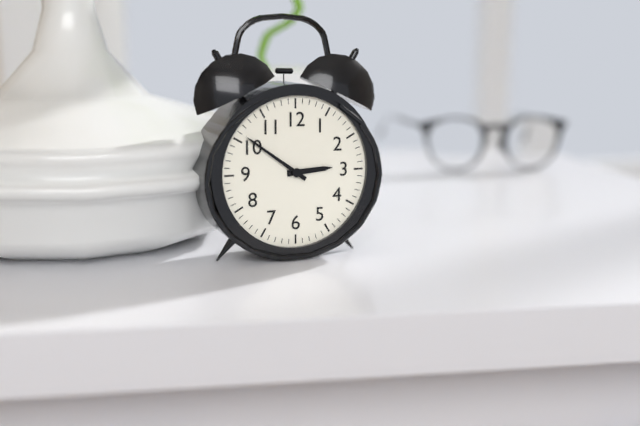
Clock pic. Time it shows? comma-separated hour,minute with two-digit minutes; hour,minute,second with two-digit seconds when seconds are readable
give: 2,51
